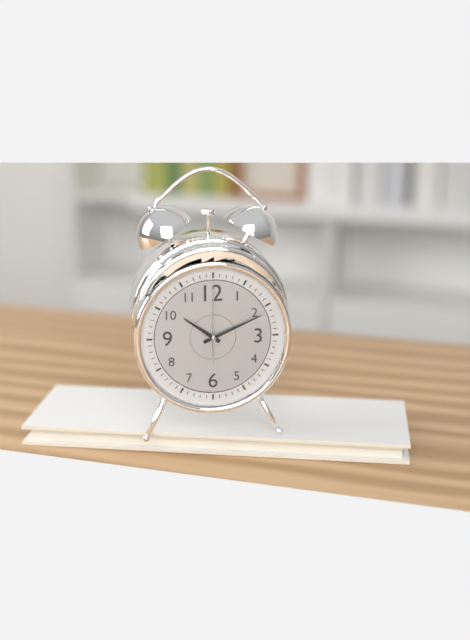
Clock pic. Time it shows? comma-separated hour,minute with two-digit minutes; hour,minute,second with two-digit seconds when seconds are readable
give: 10,11,00
